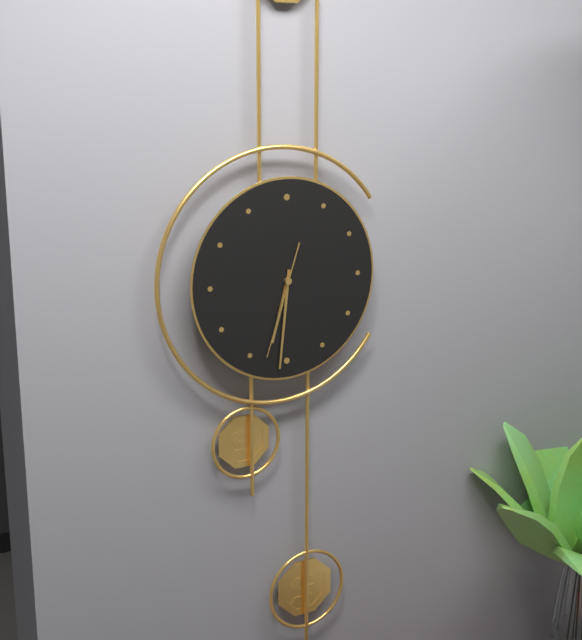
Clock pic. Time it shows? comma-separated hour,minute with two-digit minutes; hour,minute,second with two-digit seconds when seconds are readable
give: 6,31,33
